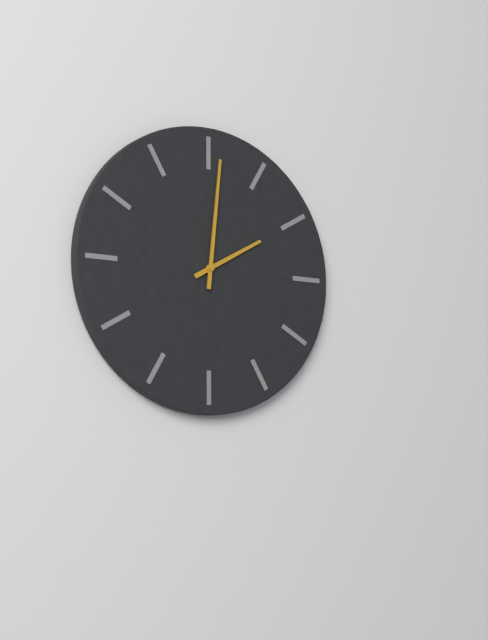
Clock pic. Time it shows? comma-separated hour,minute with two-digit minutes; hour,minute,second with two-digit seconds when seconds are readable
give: 2,01
